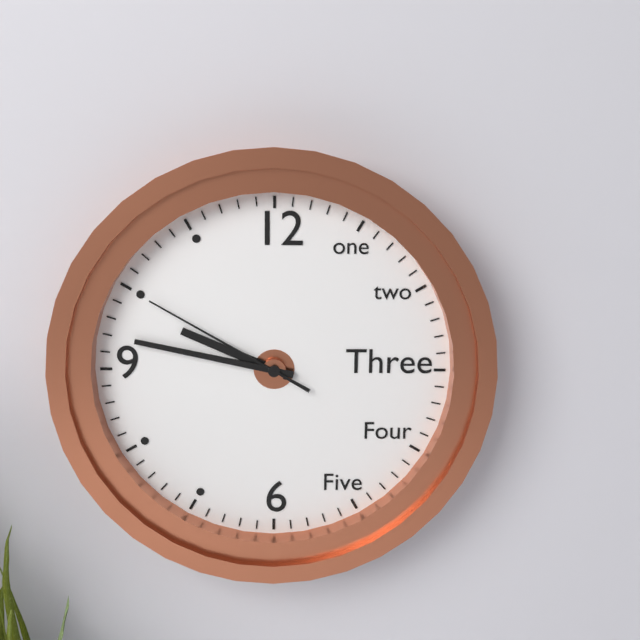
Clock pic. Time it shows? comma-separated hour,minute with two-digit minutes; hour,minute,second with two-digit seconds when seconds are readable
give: 9,47,50
